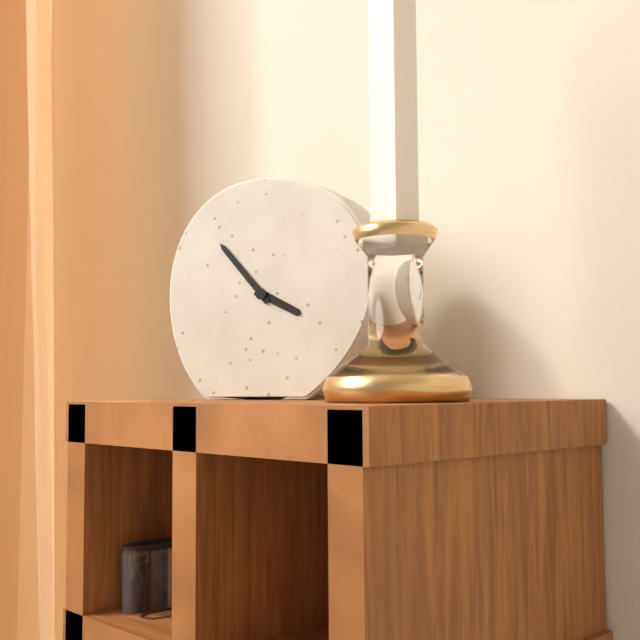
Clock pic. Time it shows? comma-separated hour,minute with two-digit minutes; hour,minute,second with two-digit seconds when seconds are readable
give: 3,53
